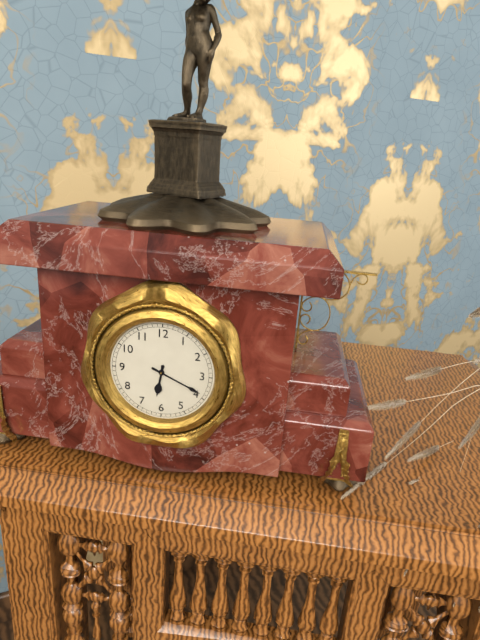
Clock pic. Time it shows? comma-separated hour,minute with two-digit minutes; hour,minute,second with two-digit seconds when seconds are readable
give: 6,19
